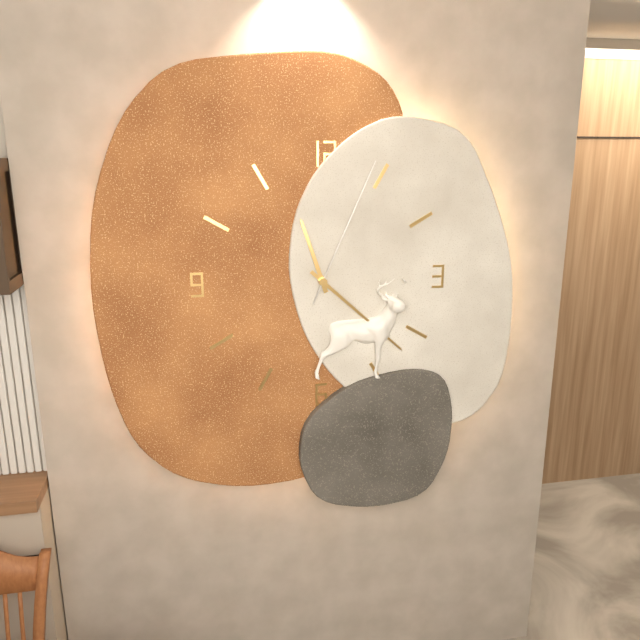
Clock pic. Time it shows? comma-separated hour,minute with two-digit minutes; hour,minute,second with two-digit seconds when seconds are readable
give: 11,22,04
